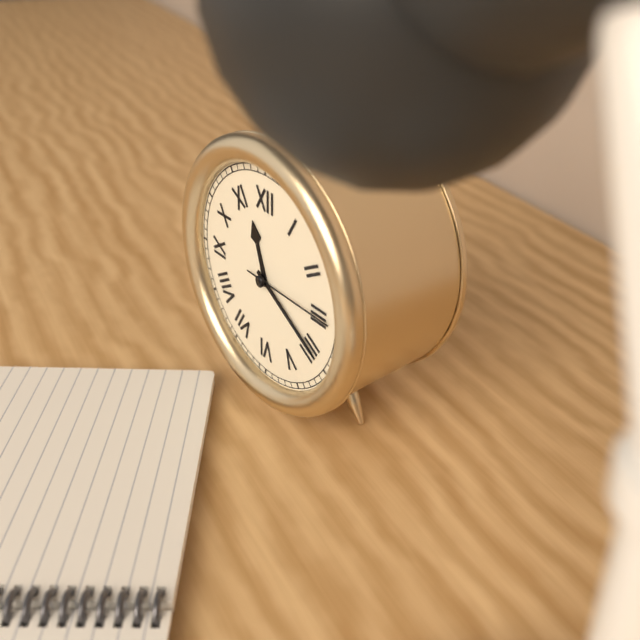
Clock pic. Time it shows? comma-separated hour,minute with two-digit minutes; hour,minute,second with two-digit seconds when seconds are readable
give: 11,20,15
